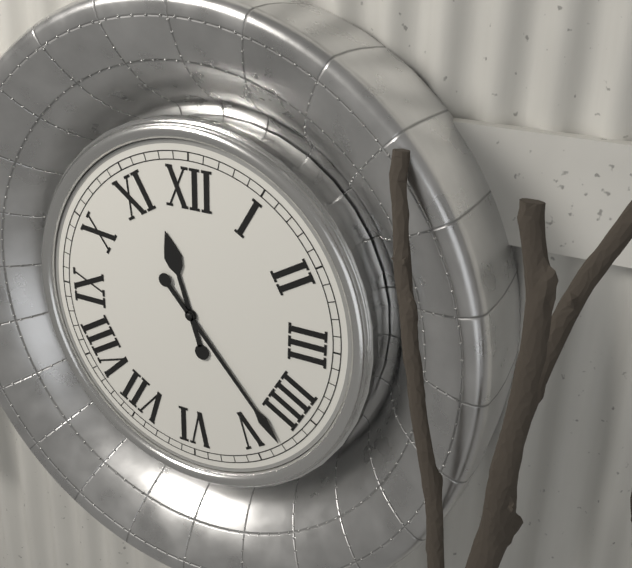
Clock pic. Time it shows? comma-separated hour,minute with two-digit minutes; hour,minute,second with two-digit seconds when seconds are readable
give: 11,23
